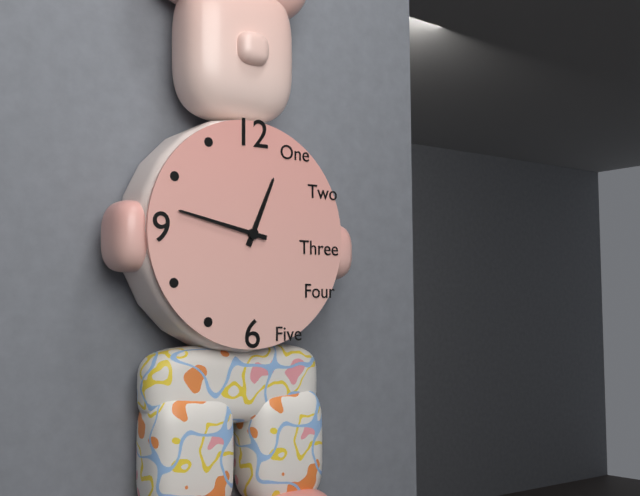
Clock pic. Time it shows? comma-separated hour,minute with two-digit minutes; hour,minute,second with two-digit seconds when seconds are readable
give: 12,47
